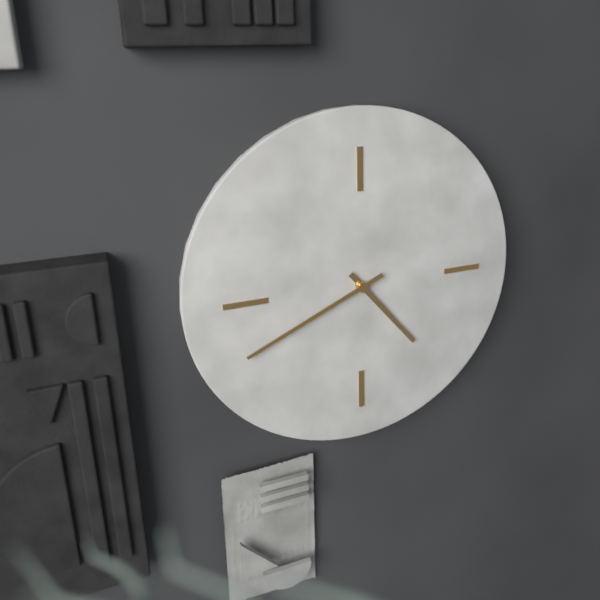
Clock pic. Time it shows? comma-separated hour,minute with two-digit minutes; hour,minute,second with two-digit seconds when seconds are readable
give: 4,41
